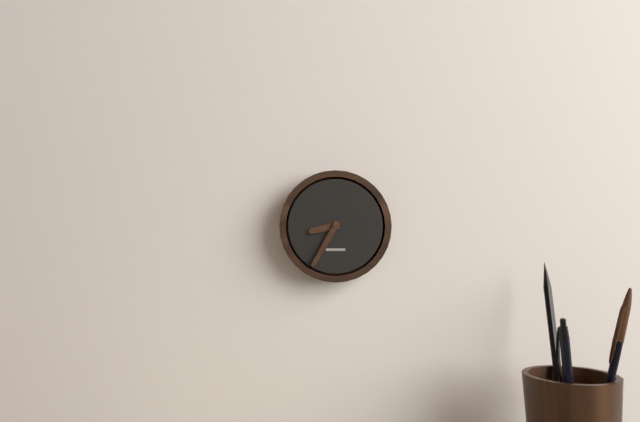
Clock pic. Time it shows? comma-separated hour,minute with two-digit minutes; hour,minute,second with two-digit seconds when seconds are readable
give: 8,35
